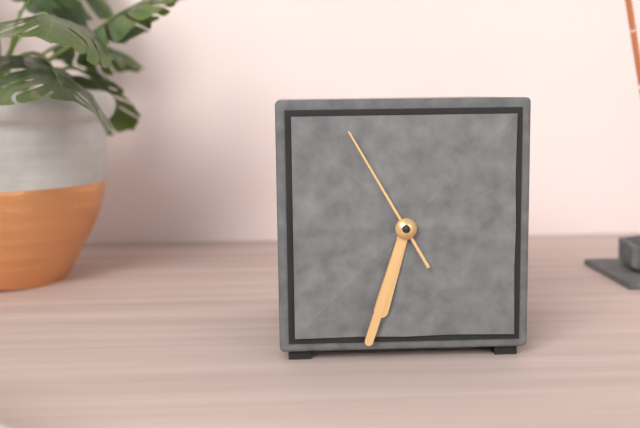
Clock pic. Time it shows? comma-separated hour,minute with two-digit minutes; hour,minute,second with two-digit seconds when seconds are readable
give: 6,33,55
